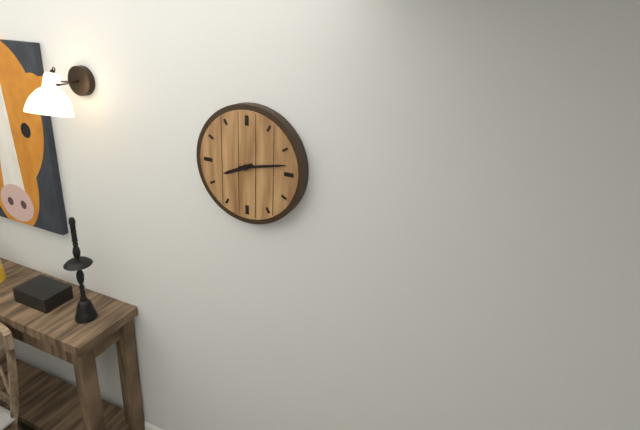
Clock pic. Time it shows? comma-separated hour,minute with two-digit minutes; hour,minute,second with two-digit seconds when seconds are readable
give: 8,13
